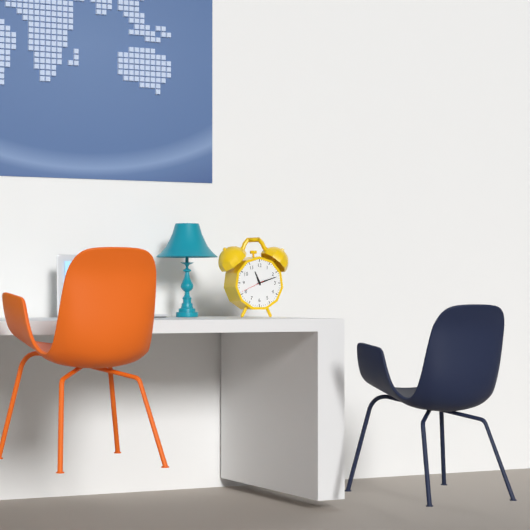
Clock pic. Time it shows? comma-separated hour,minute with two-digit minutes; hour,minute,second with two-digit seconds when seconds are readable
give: 11,12
